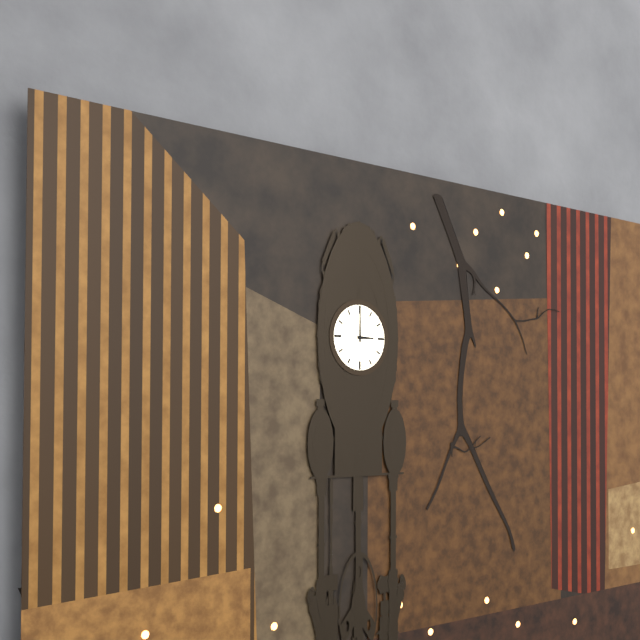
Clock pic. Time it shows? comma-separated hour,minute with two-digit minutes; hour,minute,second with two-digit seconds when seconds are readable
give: 3,00
